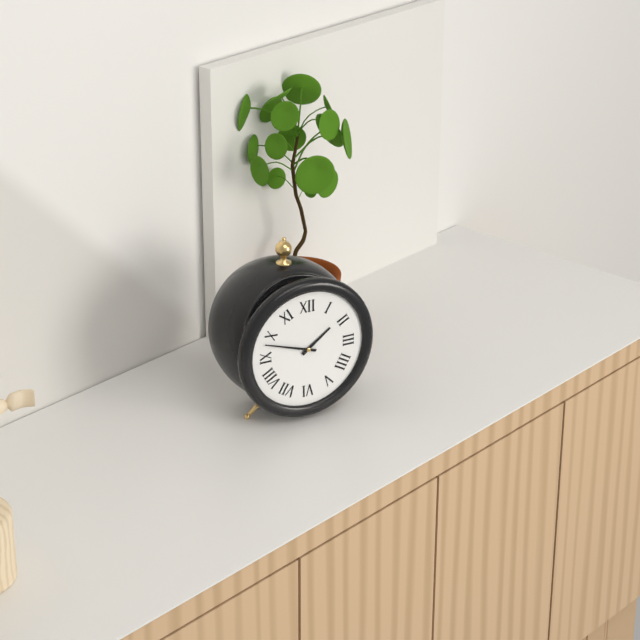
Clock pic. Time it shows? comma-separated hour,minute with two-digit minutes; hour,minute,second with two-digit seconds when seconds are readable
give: 1,48
